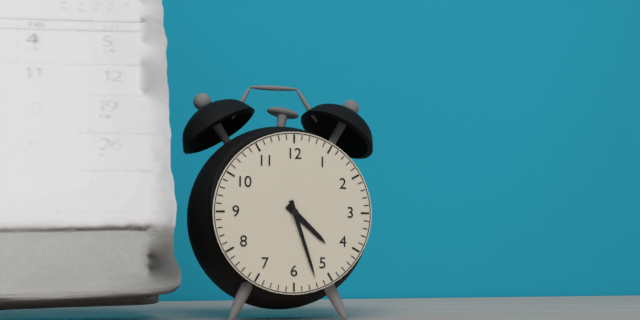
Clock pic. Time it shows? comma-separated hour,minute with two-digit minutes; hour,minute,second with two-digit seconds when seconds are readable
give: 4,27
